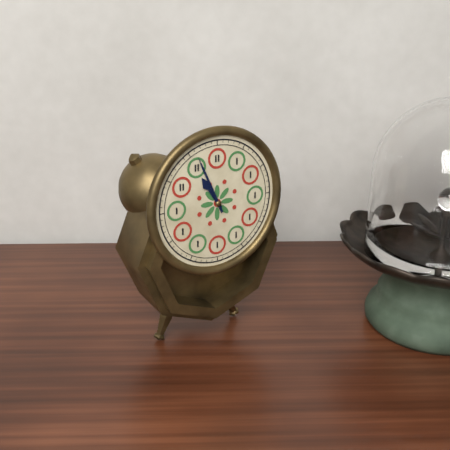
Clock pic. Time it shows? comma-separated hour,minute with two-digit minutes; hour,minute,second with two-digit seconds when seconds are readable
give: 10,56
